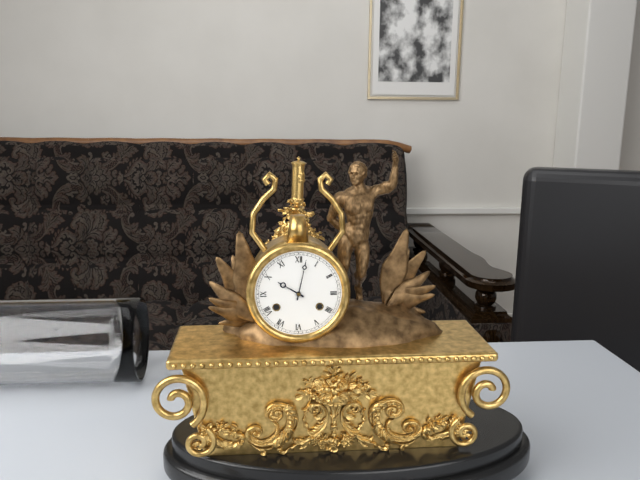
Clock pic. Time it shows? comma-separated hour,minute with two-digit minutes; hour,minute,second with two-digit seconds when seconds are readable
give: 10,02
